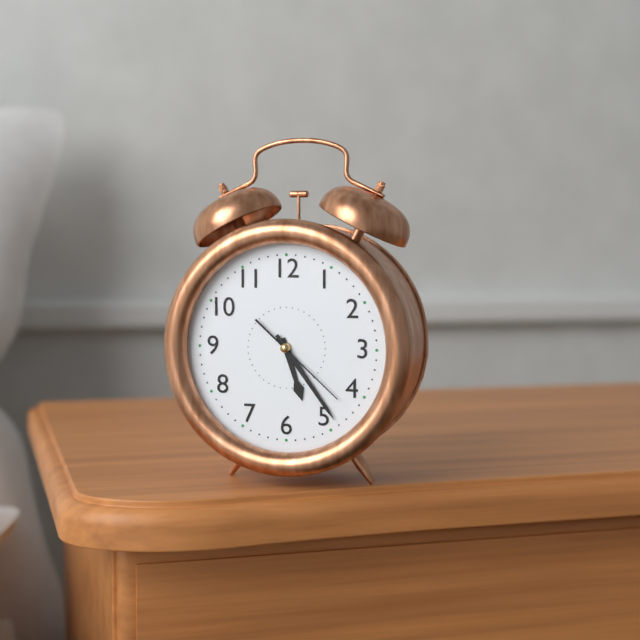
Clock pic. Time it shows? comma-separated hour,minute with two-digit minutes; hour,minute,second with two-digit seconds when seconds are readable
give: 5,24,22
